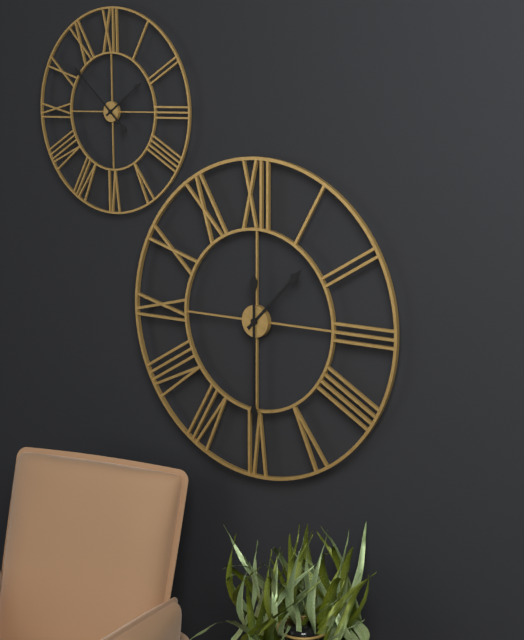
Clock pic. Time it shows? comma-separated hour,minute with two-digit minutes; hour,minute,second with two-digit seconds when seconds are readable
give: 1,30
